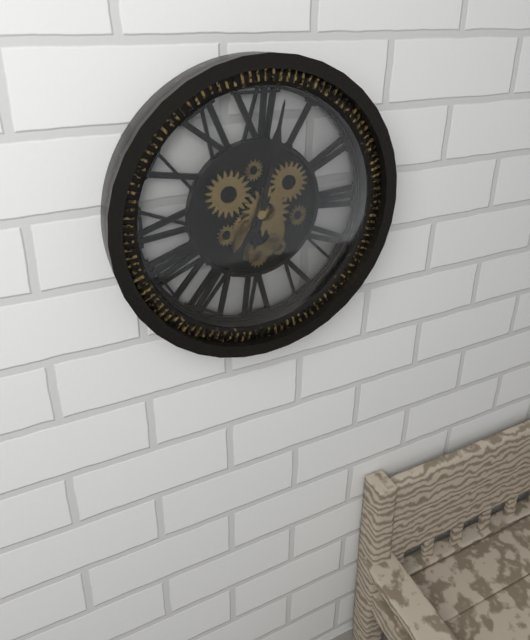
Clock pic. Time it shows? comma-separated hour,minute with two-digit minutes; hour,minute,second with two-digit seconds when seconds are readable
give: 7,02
